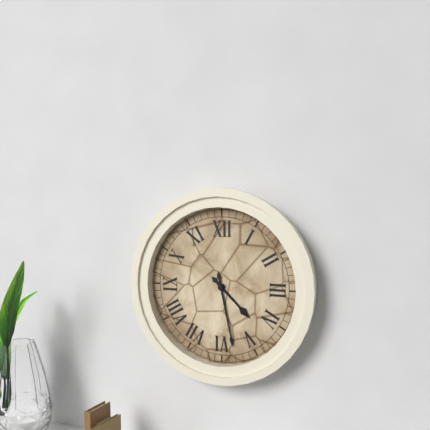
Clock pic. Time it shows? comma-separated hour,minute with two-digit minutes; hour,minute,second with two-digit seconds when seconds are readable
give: 4,28
